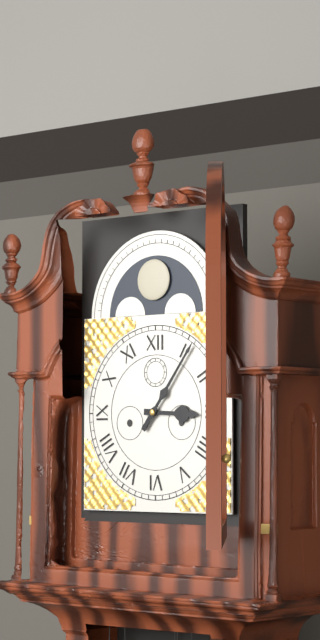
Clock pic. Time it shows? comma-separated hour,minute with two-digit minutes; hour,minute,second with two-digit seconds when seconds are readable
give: 3,06
